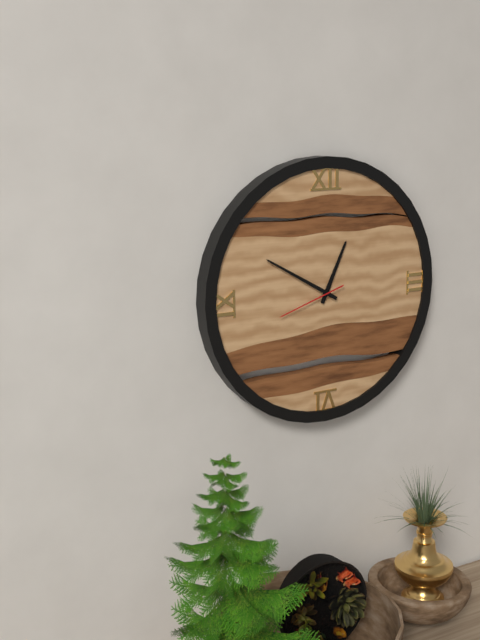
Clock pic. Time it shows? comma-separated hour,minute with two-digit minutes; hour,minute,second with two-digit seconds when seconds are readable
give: 12,50,42
